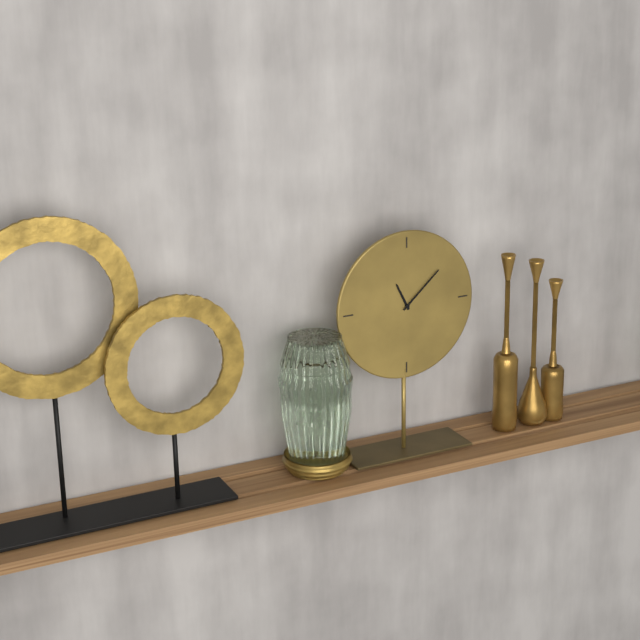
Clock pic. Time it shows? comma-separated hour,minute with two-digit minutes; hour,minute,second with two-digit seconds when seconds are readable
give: 11,08
